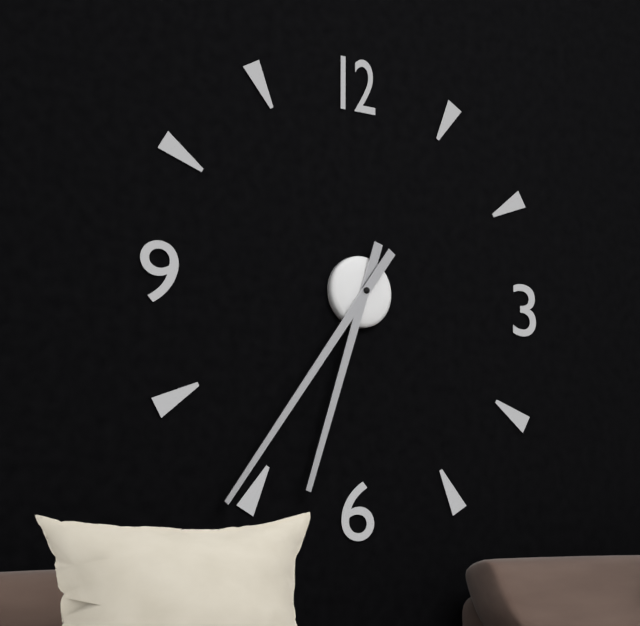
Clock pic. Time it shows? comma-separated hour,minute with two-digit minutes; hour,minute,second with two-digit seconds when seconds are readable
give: 6,36
